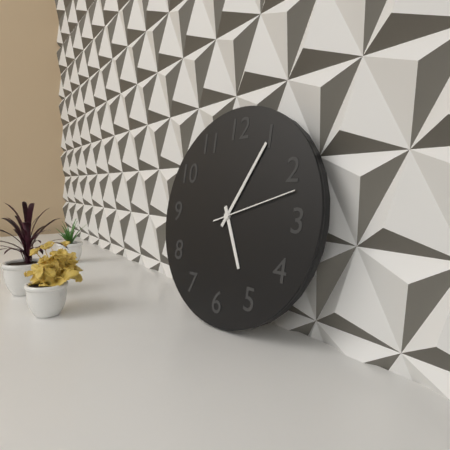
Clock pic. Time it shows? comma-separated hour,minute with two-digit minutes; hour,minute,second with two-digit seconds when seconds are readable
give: 5,05,12
